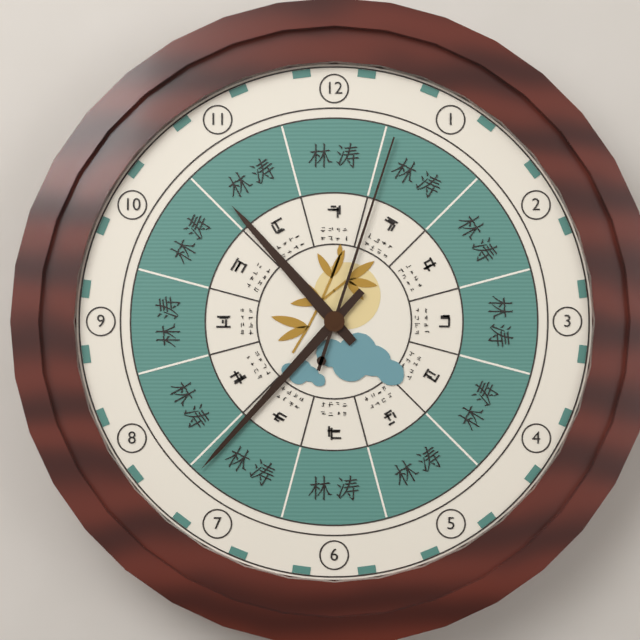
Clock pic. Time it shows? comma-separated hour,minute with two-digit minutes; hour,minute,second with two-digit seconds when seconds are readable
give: 10,37,03
